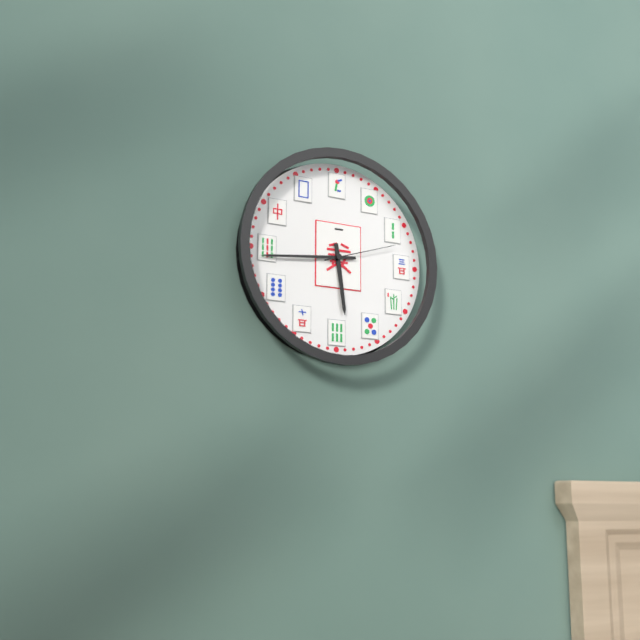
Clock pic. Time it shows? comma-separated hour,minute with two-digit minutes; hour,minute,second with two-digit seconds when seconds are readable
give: 5,44,12
